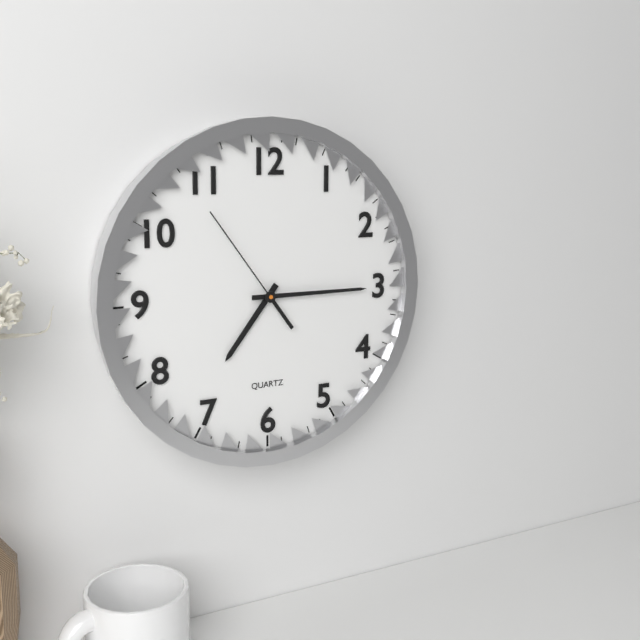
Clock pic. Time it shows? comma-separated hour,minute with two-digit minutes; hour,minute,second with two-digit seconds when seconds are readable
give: 7,15,54
